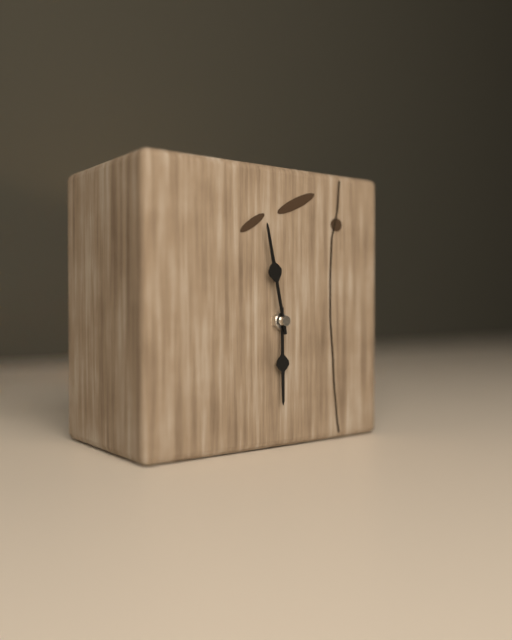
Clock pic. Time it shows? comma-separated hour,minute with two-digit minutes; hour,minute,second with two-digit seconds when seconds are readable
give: 5,58
